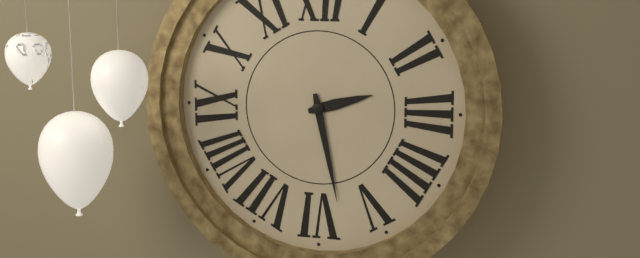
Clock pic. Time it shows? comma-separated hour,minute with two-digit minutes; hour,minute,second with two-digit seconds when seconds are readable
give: 2,28
